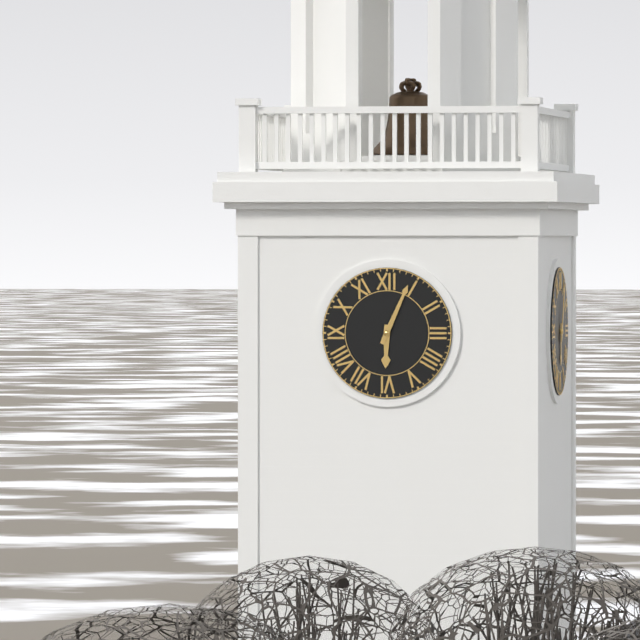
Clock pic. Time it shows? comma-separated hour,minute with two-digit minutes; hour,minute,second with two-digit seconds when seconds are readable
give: 6,04
